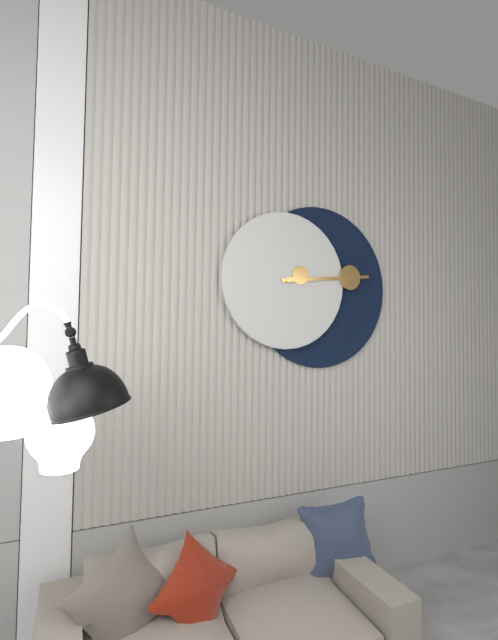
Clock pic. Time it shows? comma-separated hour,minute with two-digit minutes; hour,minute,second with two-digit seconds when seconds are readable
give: 2,14
